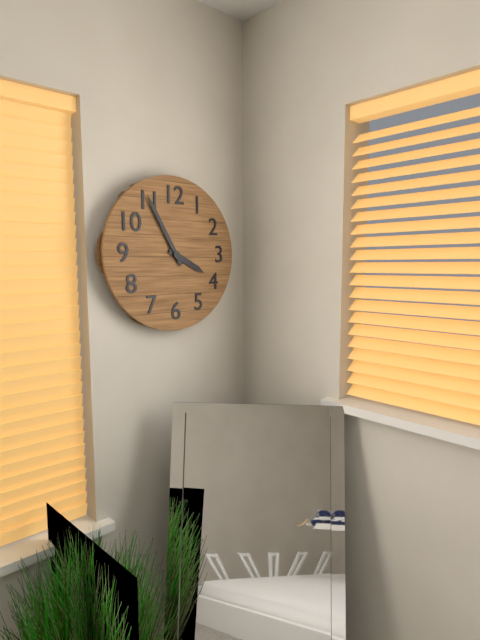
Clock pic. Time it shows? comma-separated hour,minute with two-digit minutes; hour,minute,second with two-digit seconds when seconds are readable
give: 3,55
